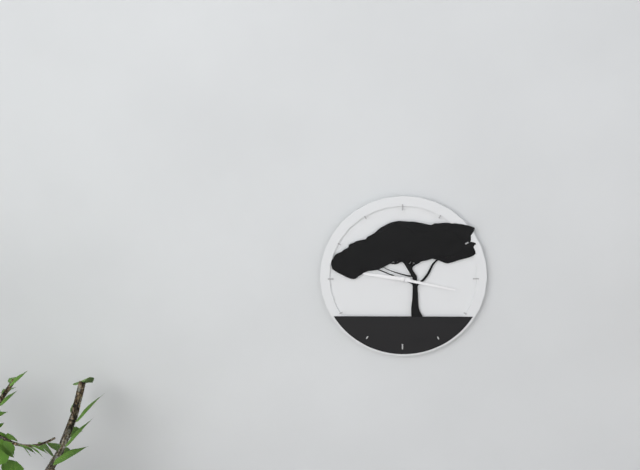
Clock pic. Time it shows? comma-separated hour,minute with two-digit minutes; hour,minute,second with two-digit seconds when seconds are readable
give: 9,17
